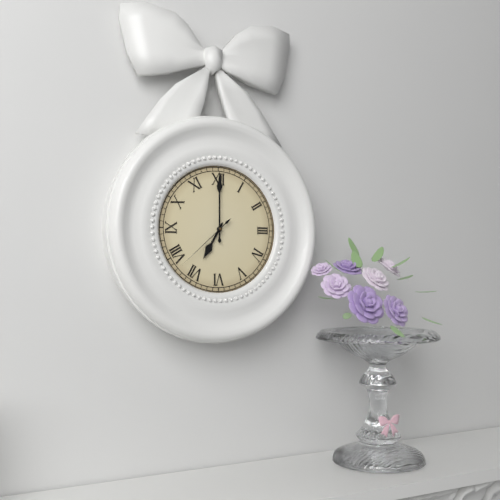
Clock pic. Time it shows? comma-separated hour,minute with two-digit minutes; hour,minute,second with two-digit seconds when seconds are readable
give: 7,00,38
